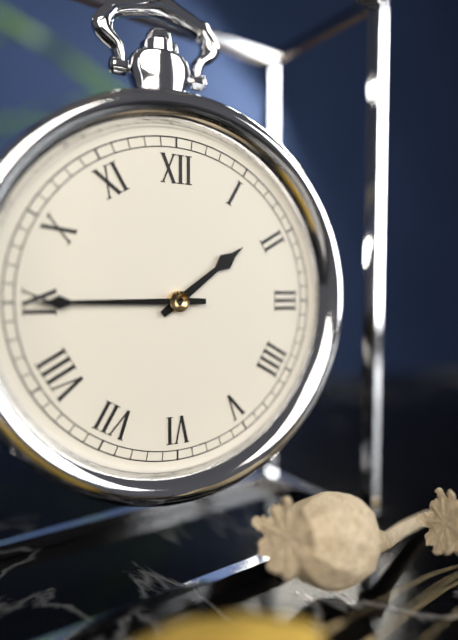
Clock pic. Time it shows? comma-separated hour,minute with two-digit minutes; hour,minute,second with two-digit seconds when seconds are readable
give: 1,45
